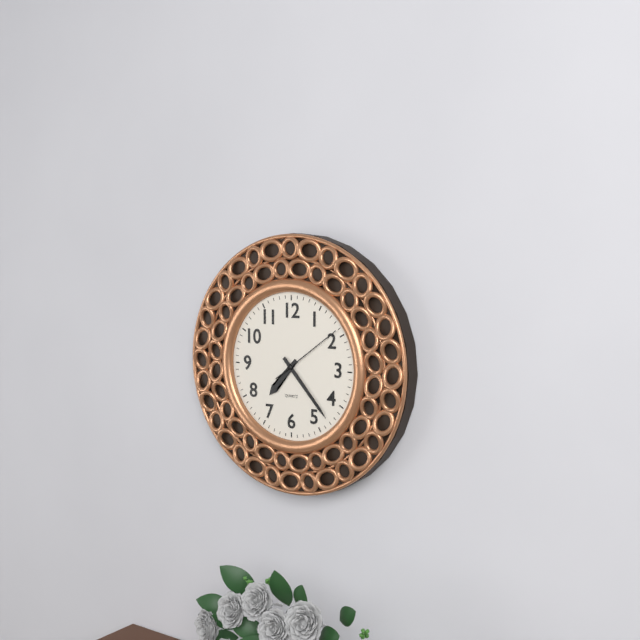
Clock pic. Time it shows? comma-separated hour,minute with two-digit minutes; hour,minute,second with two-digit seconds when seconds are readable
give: 7,23,09
